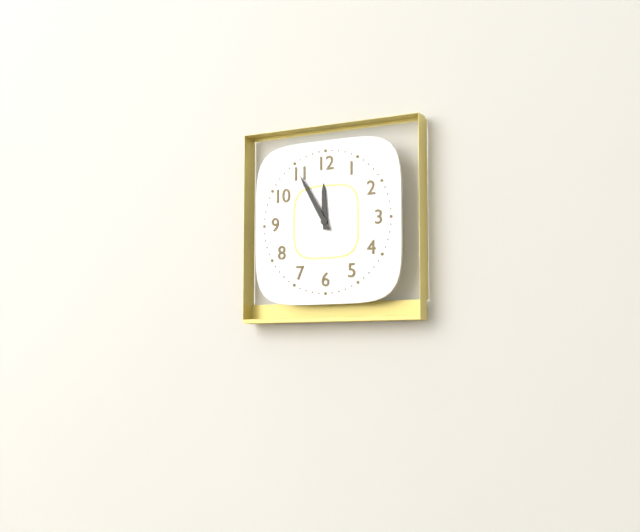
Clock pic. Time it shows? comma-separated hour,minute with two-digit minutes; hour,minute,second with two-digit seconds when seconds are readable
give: 11,55
